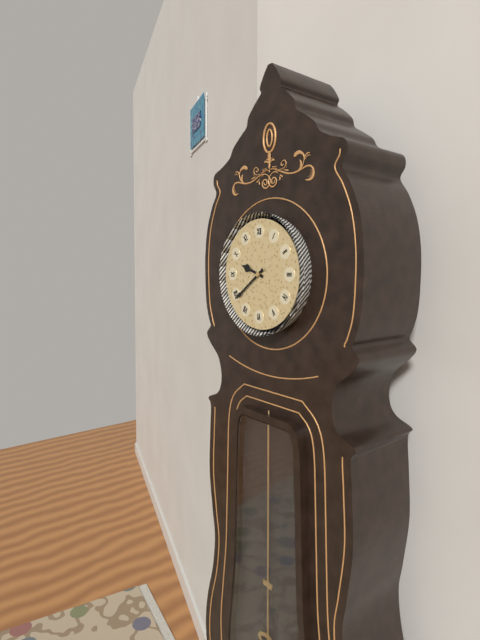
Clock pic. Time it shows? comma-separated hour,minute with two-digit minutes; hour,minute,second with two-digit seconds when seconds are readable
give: 9,39
